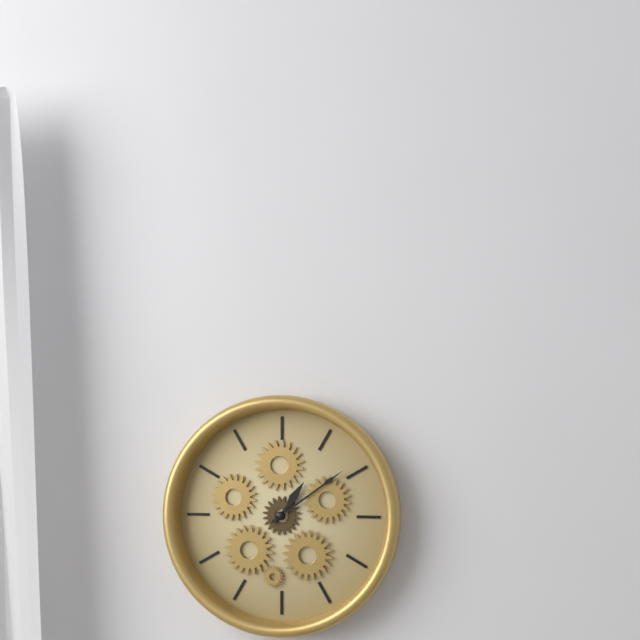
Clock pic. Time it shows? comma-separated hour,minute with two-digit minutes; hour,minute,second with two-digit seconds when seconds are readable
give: 1,09
